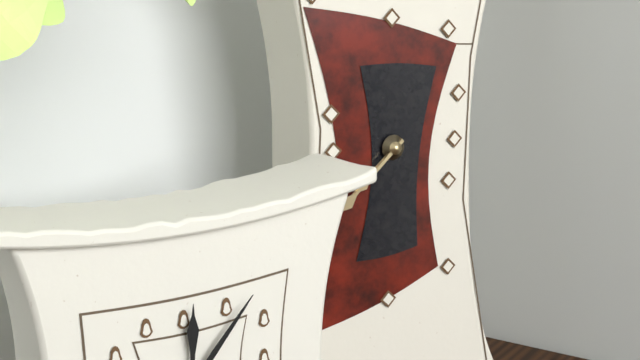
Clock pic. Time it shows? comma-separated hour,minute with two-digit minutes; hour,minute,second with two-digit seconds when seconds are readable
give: 7,38
